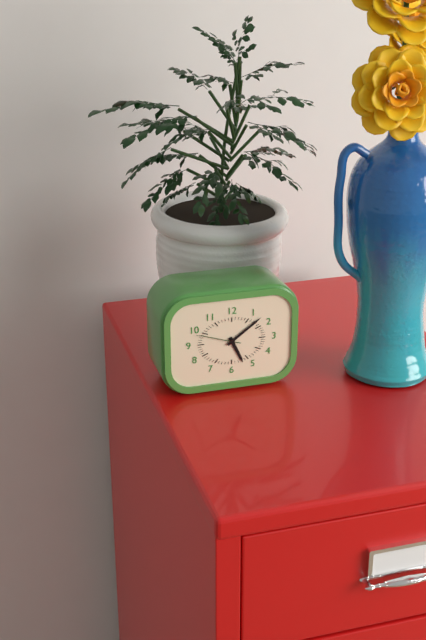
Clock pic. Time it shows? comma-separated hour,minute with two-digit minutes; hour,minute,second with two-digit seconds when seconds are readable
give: 5,09
